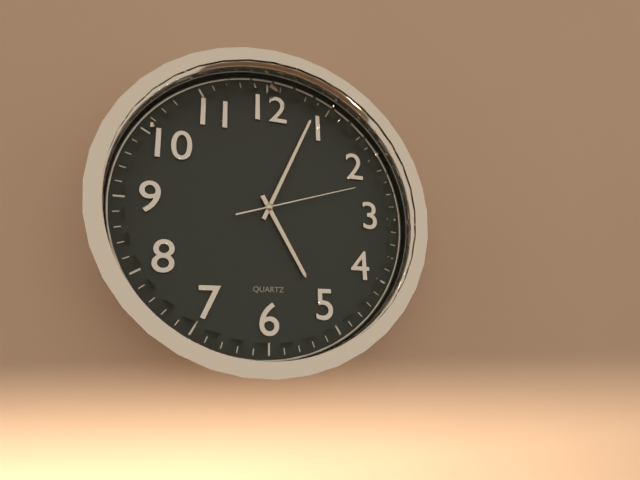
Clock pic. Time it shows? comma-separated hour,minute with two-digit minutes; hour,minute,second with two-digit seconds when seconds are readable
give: 5,04,12
